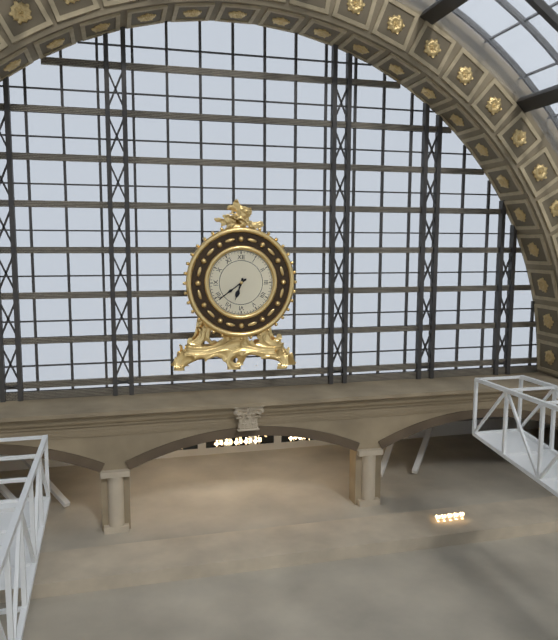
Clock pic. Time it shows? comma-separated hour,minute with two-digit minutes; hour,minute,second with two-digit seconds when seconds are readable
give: 6,39
